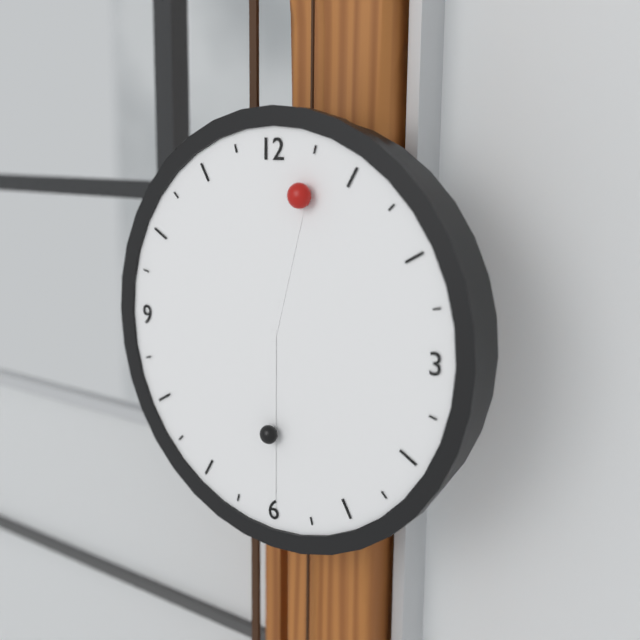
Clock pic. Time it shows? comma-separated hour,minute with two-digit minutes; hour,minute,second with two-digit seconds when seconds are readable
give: 12,30
